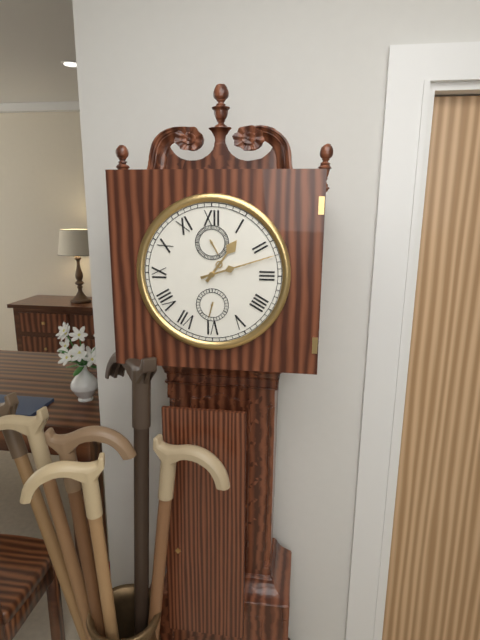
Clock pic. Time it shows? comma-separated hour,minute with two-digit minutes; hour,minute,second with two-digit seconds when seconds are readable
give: 1,12
